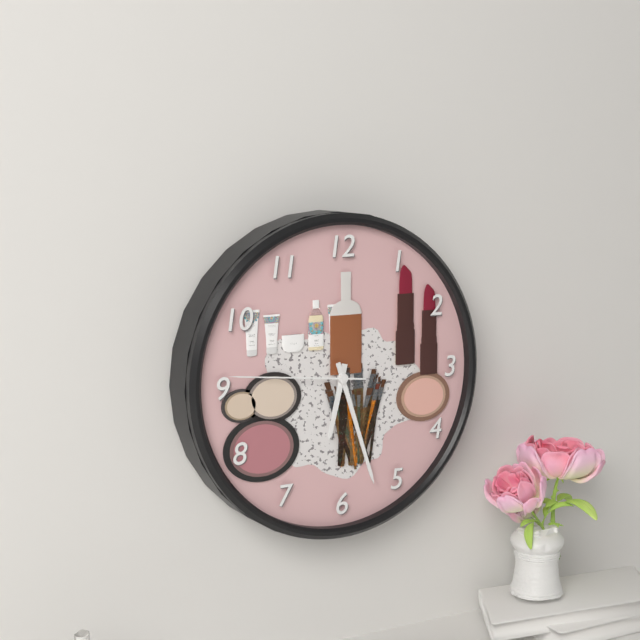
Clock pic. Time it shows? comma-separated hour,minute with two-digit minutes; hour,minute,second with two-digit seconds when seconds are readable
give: 6,27,46
